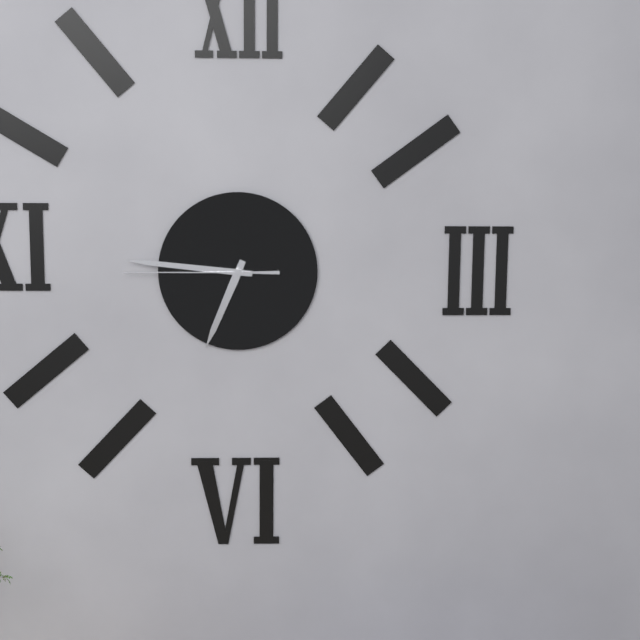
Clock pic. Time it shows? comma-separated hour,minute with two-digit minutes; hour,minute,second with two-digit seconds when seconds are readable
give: 6,46,45
